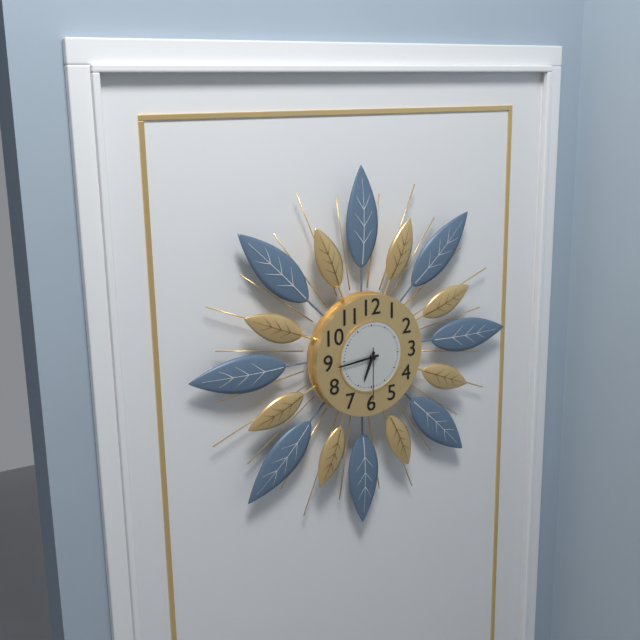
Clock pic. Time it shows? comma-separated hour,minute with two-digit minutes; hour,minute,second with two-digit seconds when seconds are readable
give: 6,44,30
